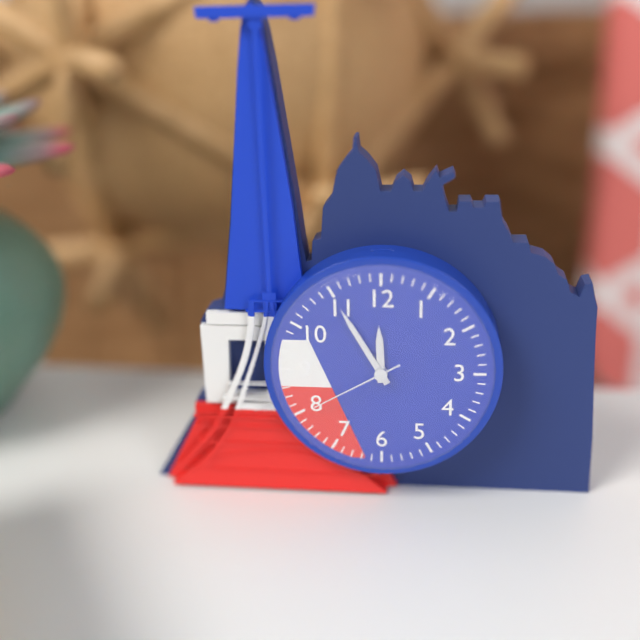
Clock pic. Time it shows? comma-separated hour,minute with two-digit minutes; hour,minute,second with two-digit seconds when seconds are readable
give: 11,55,40
